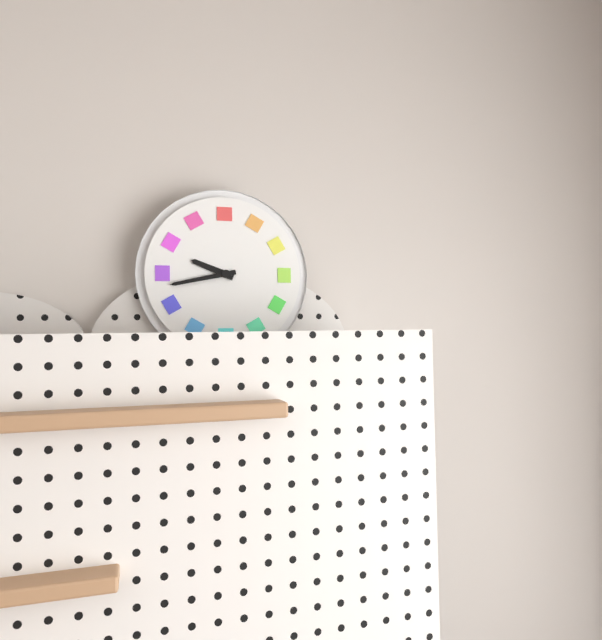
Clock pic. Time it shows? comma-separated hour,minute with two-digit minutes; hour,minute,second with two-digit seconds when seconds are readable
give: 9,43
